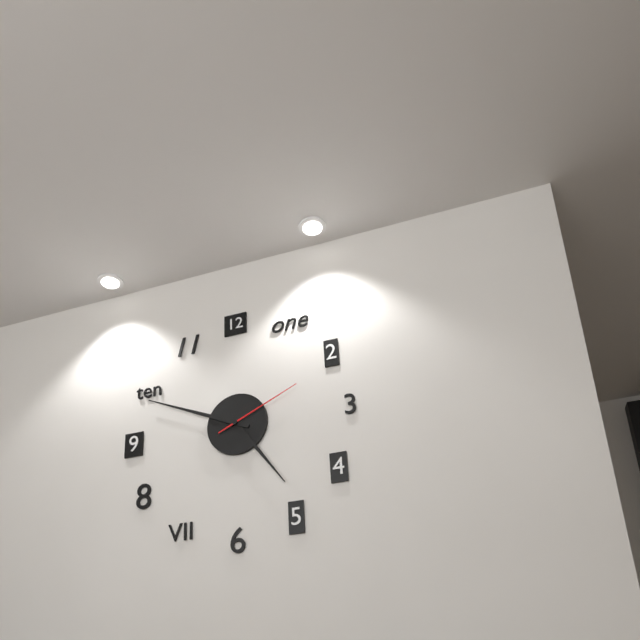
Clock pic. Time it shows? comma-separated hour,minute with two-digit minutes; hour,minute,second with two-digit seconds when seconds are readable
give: 4,49,11
